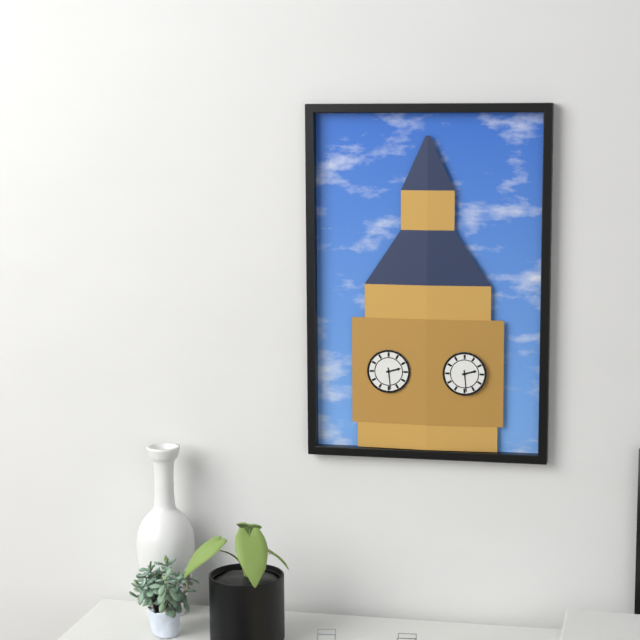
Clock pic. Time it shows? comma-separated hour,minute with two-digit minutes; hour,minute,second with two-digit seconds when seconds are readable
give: 2,29
